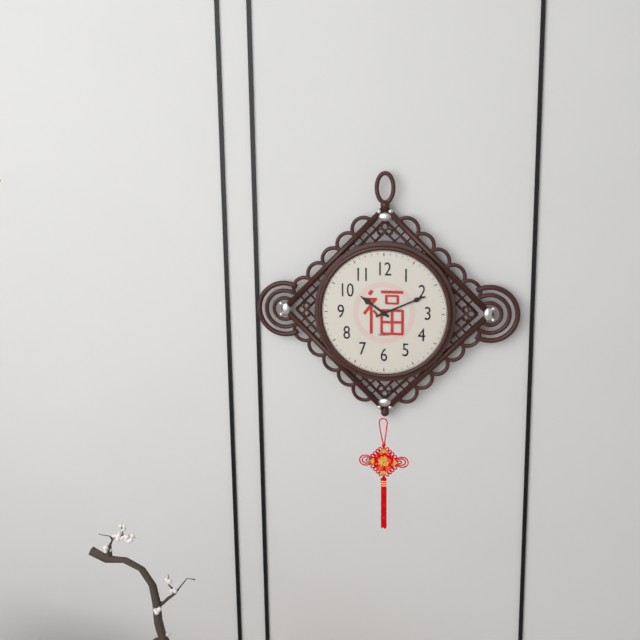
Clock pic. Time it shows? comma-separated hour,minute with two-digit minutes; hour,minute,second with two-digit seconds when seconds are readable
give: 10,11
